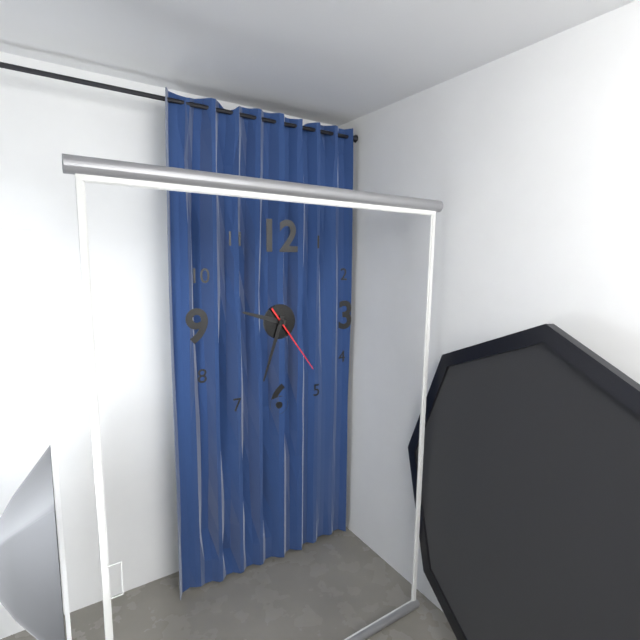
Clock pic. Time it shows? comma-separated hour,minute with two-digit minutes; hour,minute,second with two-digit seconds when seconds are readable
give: 9,33,24
